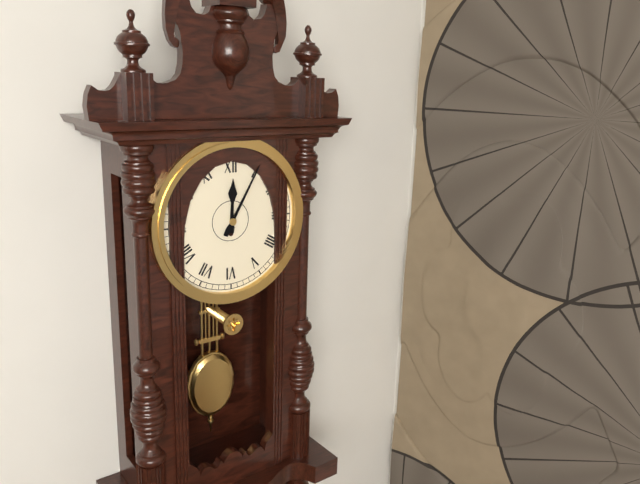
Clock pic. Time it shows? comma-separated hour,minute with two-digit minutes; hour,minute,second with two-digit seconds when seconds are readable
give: 12,05
